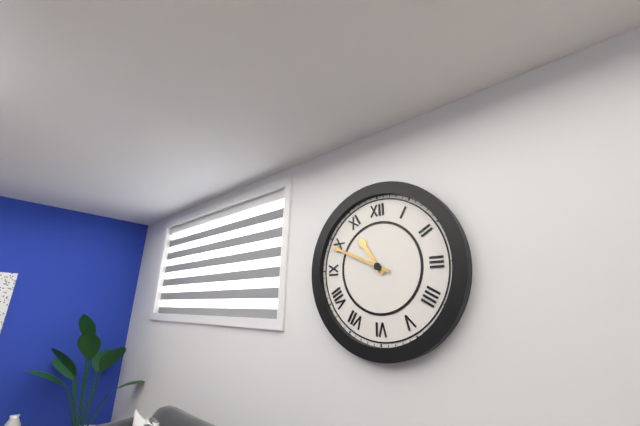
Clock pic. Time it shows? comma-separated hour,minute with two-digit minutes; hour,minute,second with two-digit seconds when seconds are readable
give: 10,49
